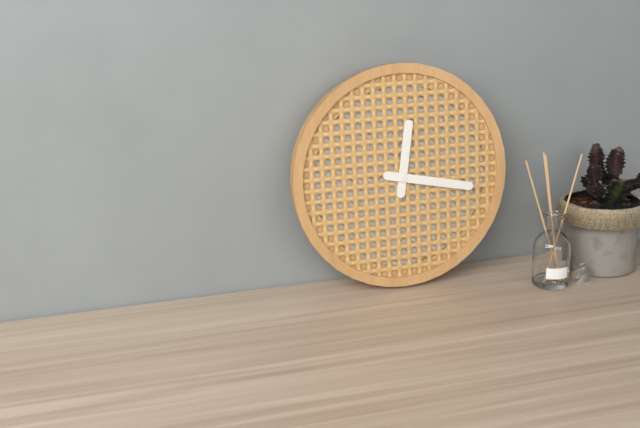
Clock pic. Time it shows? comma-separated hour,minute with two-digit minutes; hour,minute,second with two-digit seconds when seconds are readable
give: 12,17
